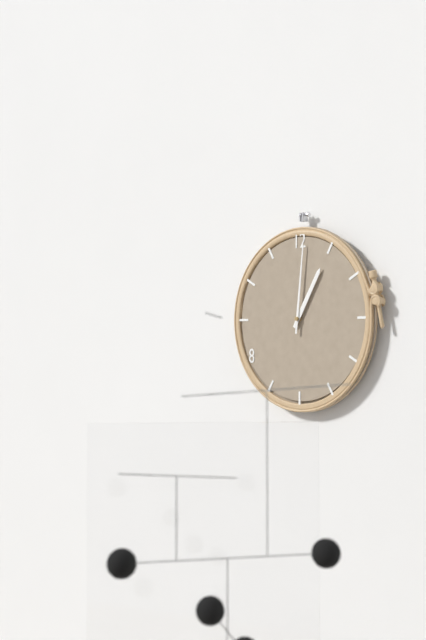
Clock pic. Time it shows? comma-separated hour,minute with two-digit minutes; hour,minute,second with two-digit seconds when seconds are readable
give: 1,01
